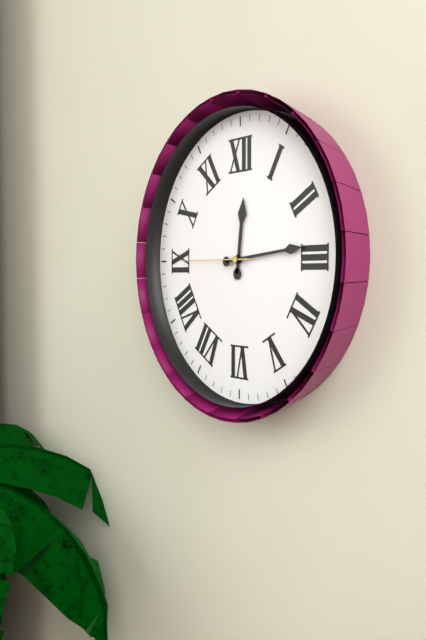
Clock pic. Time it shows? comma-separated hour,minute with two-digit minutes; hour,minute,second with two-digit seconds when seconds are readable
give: 12,14,45
